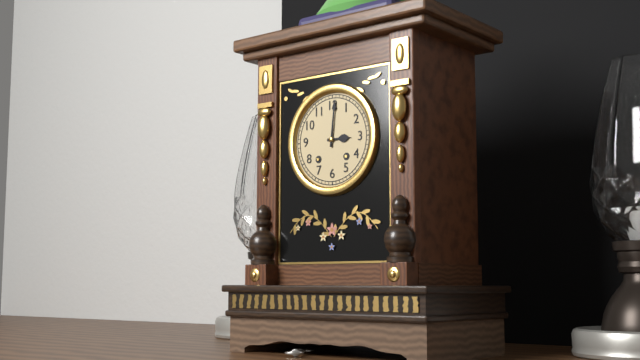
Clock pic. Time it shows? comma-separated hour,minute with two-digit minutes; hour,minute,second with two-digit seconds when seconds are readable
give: 3,01
